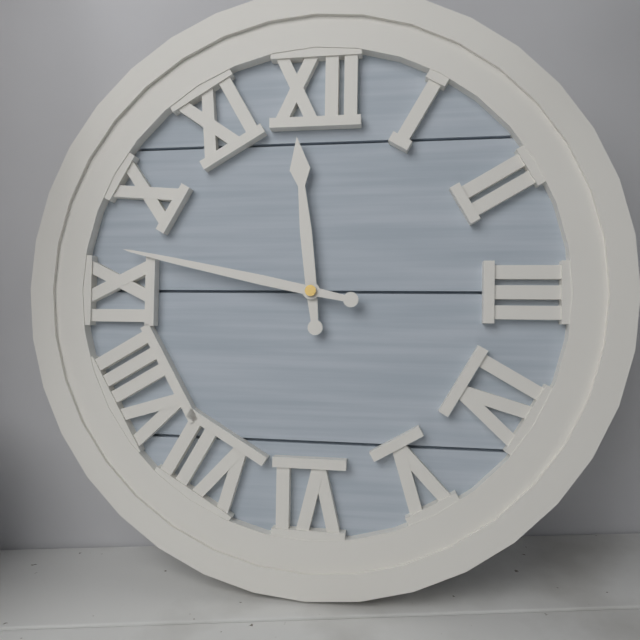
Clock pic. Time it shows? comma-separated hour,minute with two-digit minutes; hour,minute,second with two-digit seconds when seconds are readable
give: 11,47
